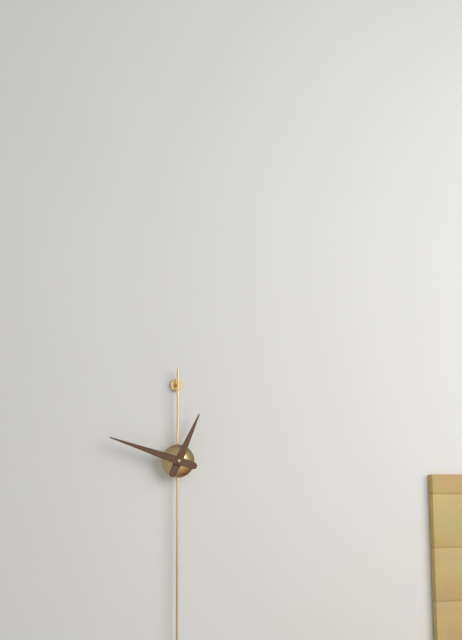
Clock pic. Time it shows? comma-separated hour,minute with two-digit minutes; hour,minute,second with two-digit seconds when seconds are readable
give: 12,48
